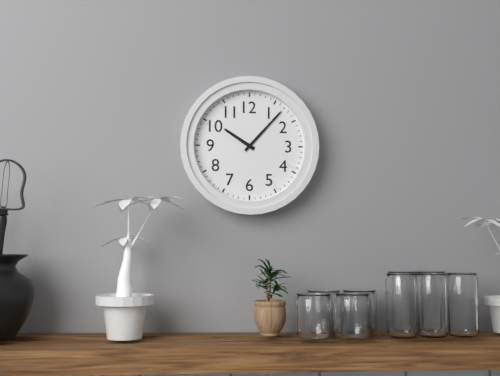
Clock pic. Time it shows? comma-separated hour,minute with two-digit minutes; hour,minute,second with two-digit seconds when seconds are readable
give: 10,07
